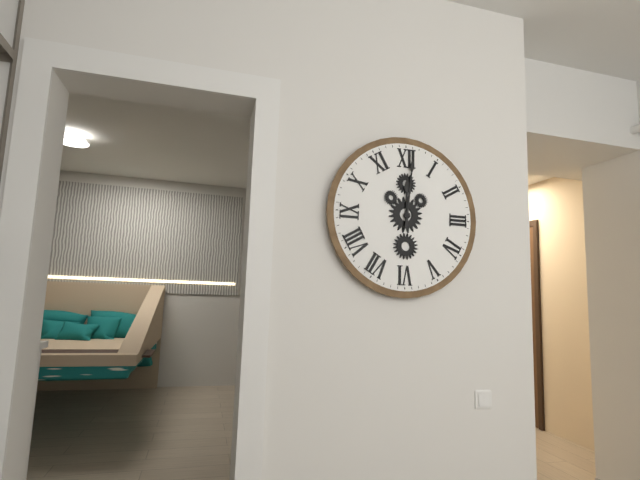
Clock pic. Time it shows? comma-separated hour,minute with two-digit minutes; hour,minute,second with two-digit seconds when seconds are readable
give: 12,01
